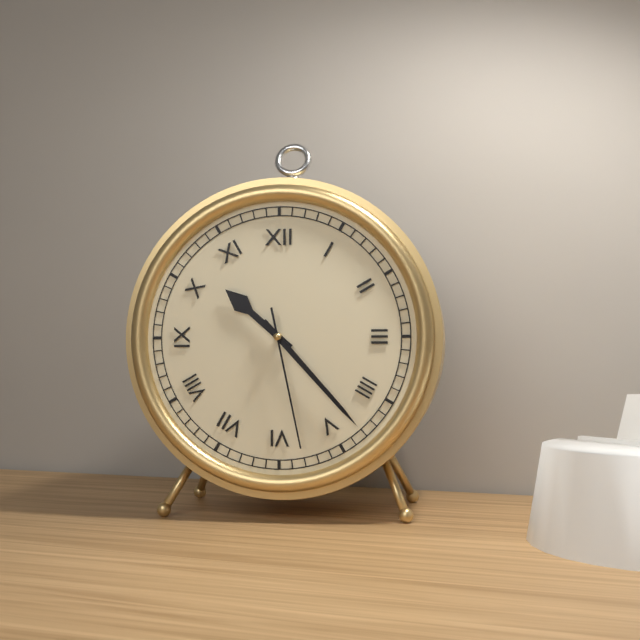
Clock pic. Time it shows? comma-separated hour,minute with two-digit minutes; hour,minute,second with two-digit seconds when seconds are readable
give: 10,23,28
